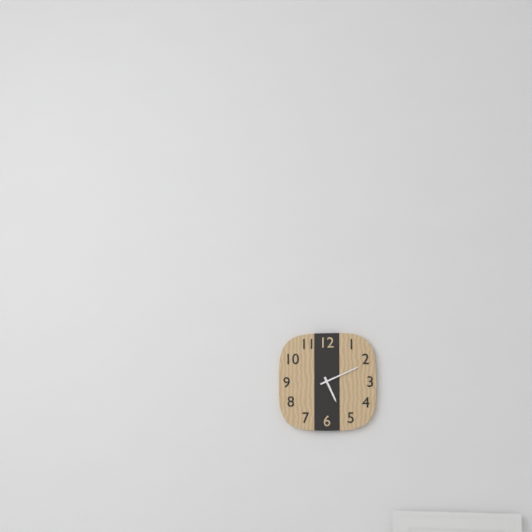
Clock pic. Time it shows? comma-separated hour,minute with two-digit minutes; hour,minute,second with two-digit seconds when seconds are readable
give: 5,11
